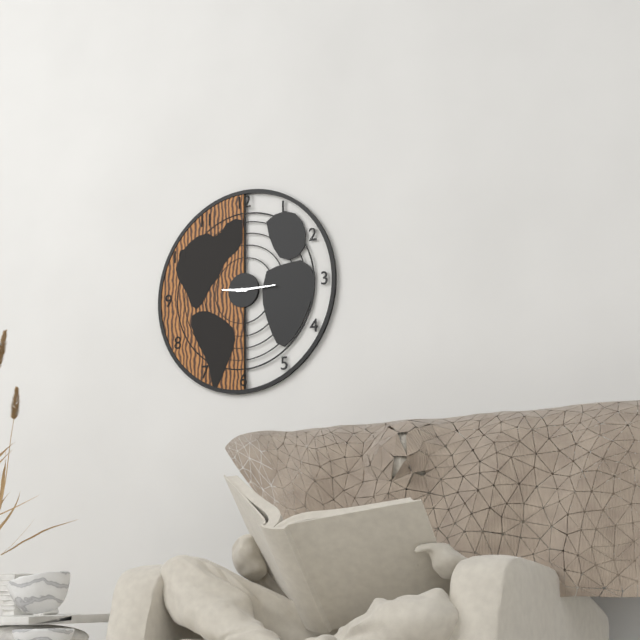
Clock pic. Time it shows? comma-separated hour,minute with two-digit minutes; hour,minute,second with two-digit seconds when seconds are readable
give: 9,15
